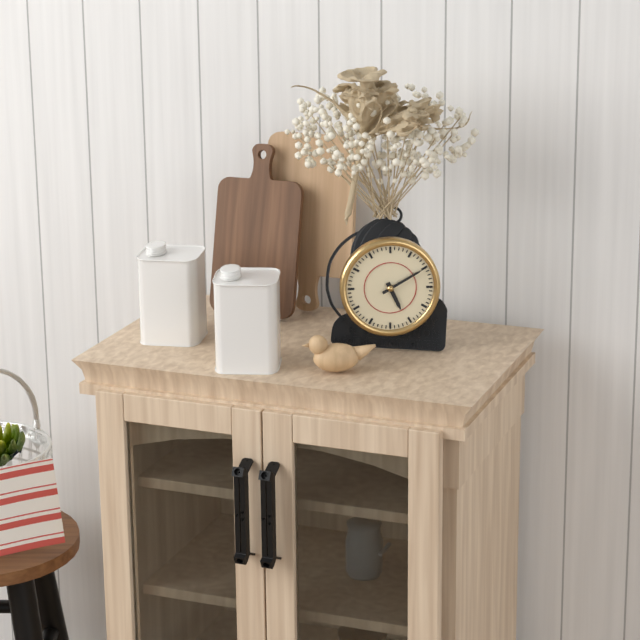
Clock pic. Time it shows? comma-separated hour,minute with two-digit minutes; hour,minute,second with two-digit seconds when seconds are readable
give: 5,10
